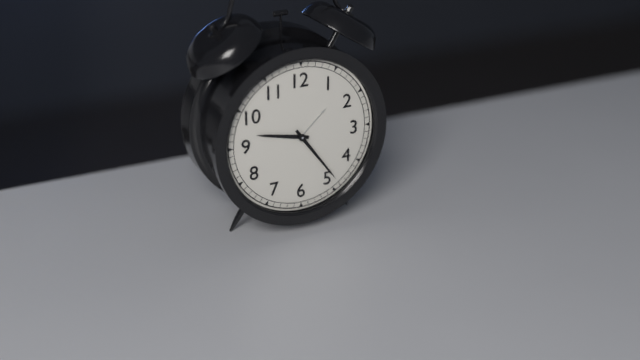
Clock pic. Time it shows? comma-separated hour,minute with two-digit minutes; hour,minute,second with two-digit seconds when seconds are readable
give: 9,24
